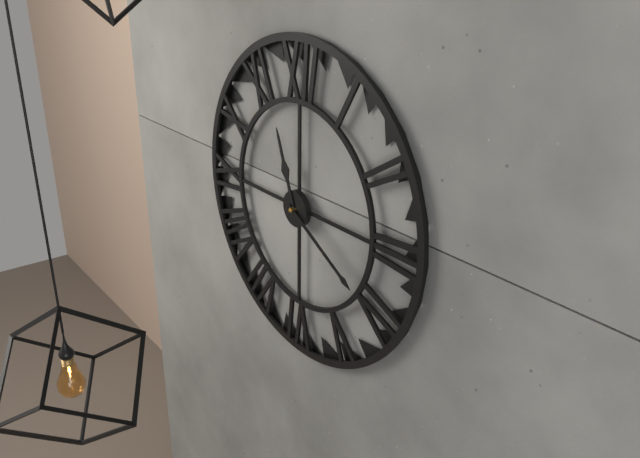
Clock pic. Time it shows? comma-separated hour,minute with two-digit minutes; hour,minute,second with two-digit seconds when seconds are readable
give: 11,20
